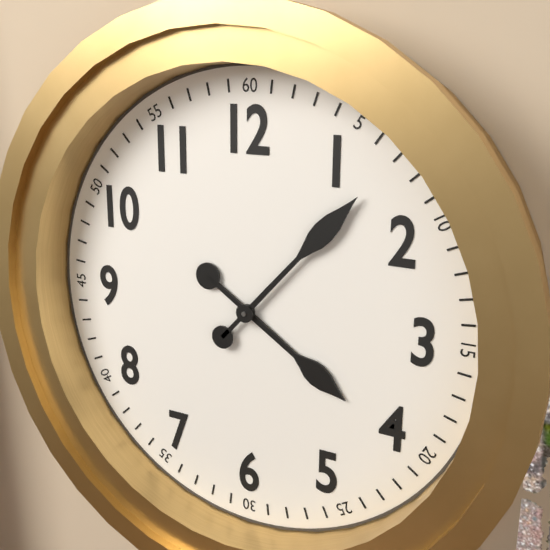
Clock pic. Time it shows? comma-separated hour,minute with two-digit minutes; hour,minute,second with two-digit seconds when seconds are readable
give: 4,07
